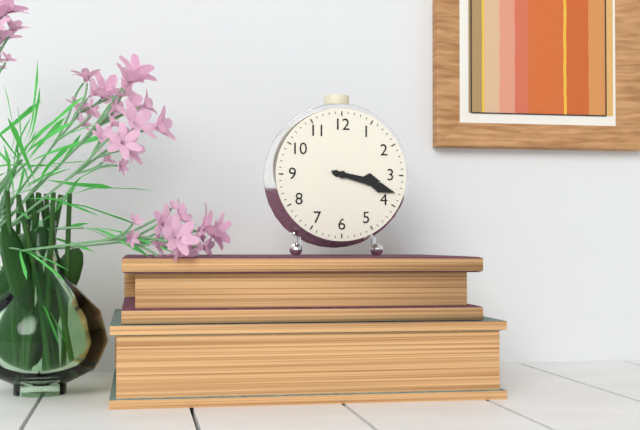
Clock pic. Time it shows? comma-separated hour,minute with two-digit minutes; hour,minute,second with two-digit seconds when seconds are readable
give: 3,18
